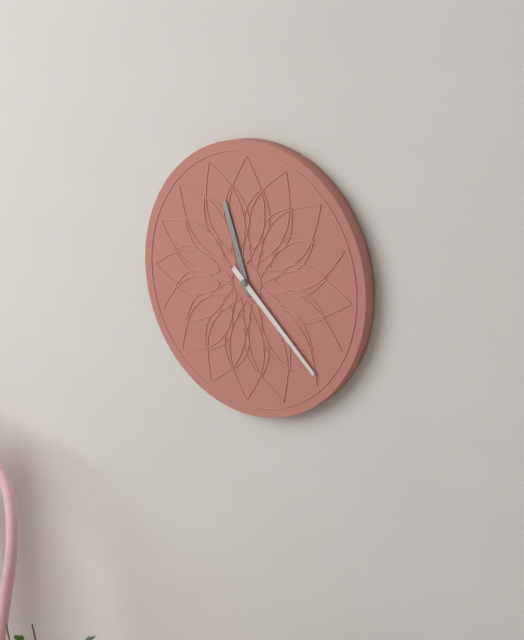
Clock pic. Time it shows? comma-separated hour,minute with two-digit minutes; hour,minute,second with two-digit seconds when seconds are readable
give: 11,22
